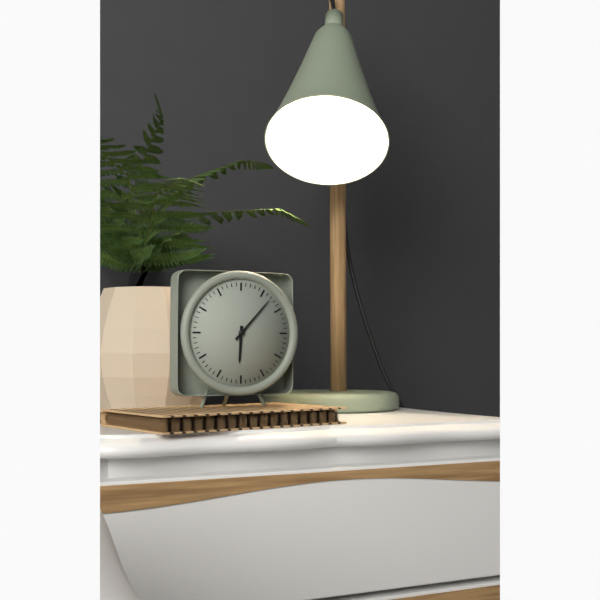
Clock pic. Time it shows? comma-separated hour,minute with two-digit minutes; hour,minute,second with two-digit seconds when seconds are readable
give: 6,07
